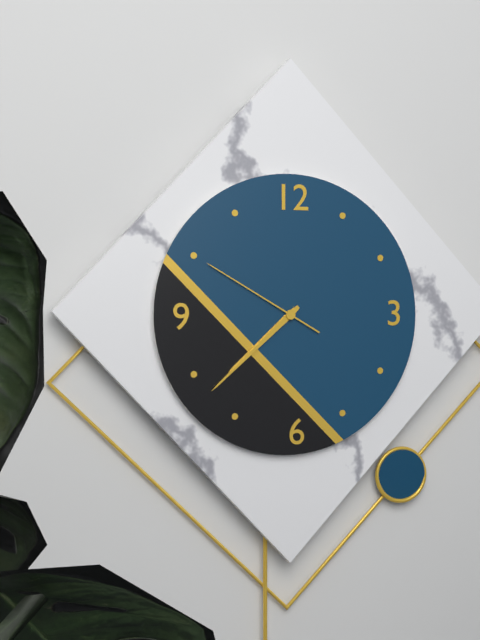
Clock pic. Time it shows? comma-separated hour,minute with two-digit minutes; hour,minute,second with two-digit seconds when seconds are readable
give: 7,38,50
